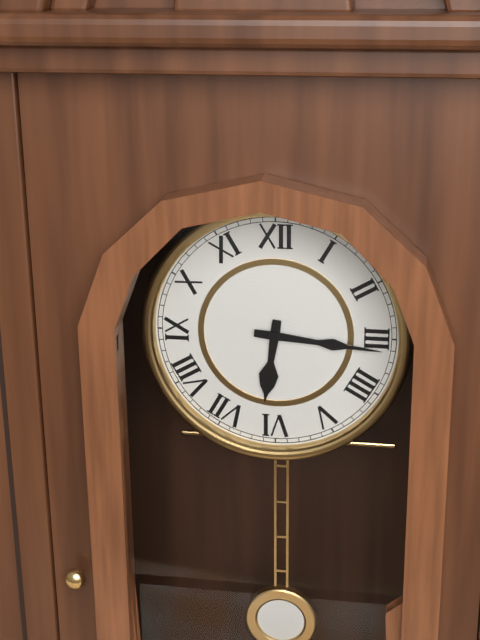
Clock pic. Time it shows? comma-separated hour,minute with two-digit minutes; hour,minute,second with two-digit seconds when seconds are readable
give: 6,16
